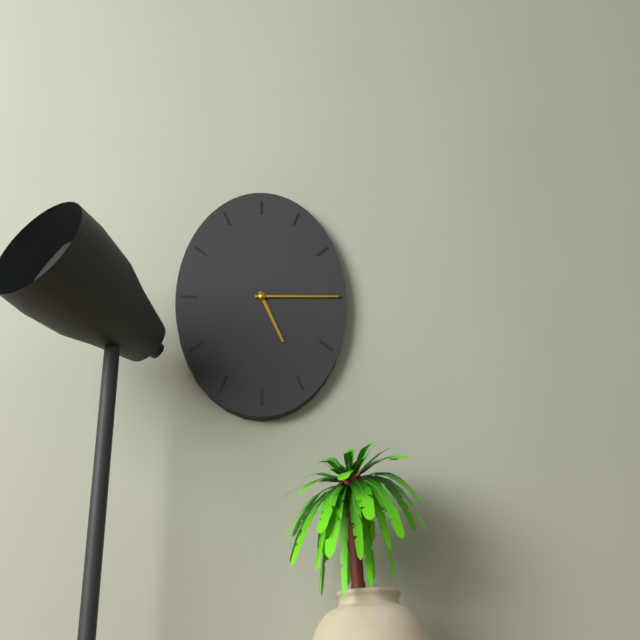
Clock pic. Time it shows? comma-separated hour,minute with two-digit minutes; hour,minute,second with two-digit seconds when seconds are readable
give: 5,15
